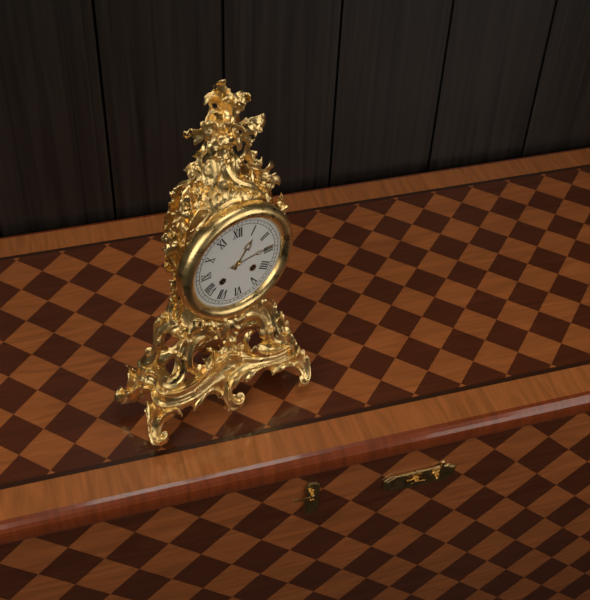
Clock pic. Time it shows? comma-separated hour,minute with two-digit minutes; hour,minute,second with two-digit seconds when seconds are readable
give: 1,14
